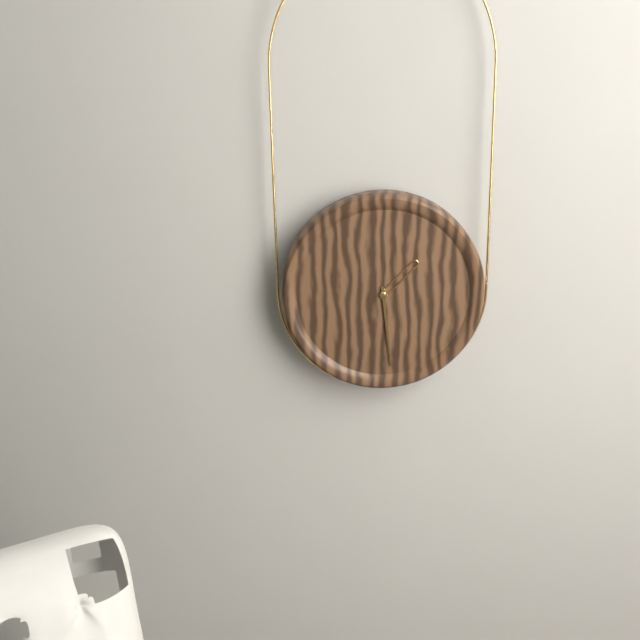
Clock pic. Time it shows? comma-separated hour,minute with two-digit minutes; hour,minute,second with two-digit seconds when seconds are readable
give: 1,29
